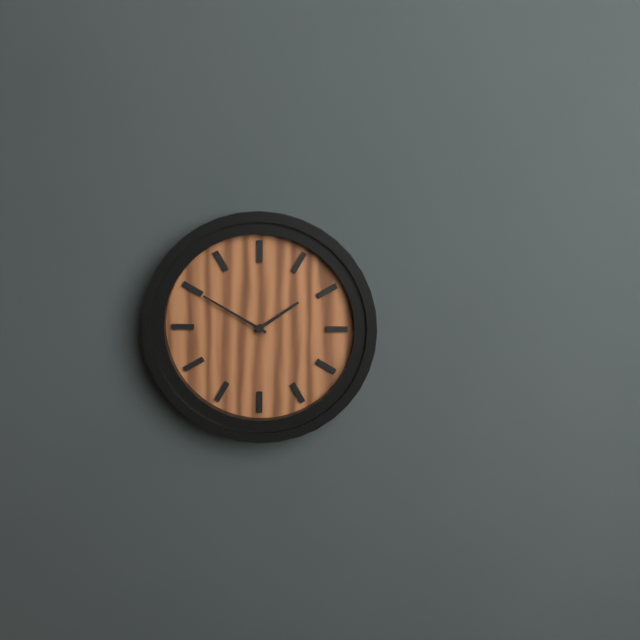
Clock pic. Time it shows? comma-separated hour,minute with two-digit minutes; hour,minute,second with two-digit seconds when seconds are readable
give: 1,50
